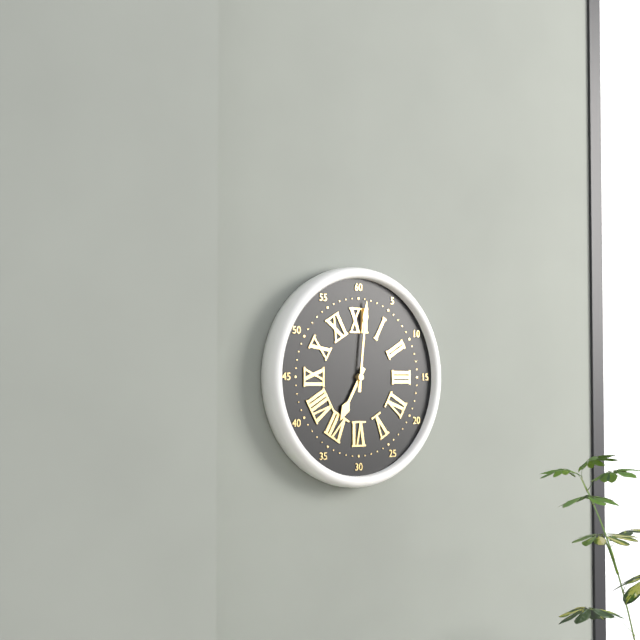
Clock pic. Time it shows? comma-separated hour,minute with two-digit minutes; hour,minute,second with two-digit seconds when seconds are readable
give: 7,01
